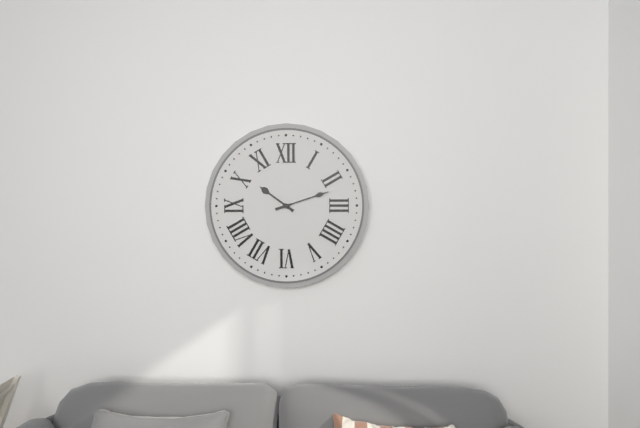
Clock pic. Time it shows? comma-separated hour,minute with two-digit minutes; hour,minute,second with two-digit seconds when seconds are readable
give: 10,12
